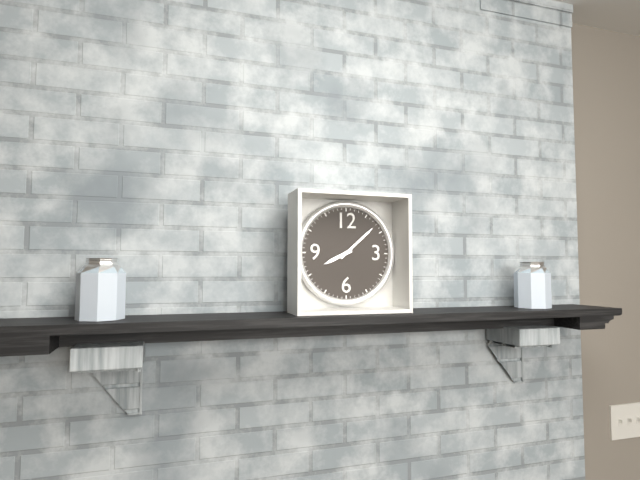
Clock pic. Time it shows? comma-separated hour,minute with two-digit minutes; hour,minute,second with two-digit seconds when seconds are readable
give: 8,08
